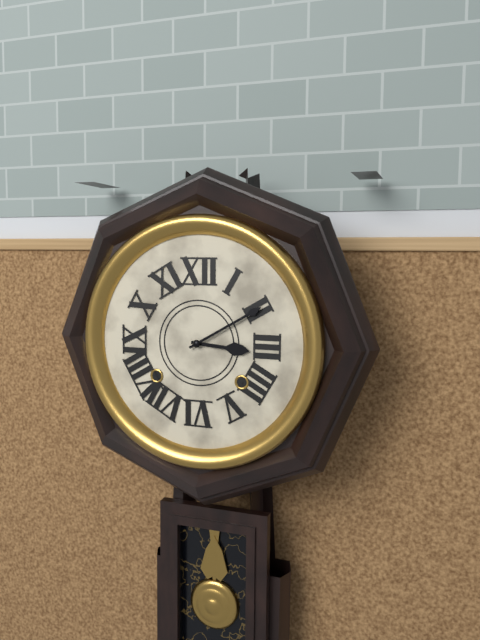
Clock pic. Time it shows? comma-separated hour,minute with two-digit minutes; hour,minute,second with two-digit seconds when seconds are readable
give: 3,10
